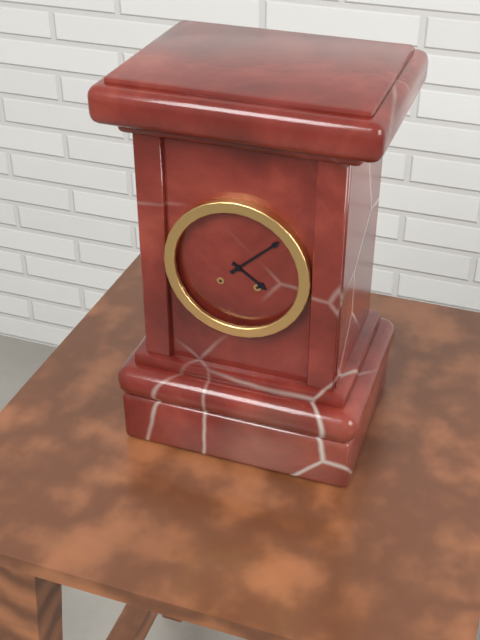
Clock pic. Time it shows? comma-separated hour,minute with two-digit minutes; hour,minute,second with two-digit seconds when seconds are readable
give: 4,08
